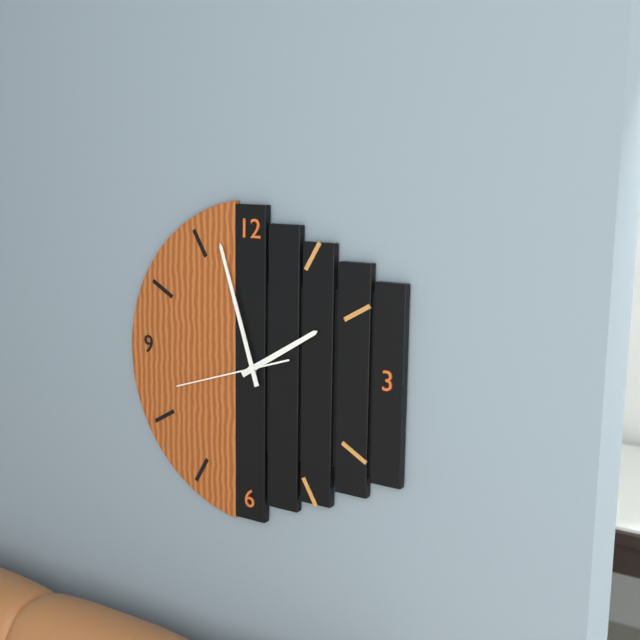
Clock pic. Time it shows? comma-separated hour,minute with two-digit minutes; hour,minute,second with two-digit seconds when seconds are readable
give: 1,57,42
